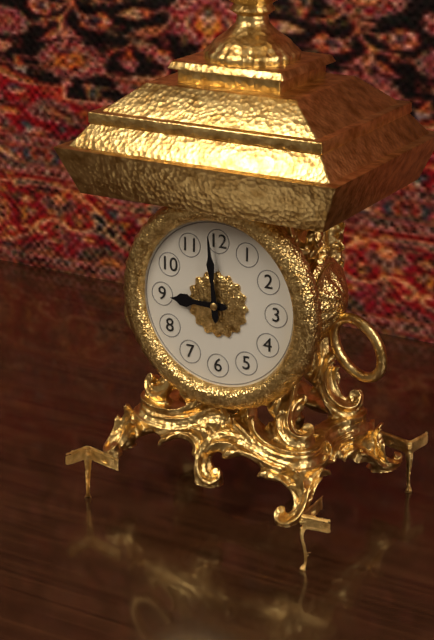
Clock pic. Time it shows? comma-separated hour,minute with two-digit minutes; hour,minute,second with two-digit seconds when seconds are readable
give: 8,59
